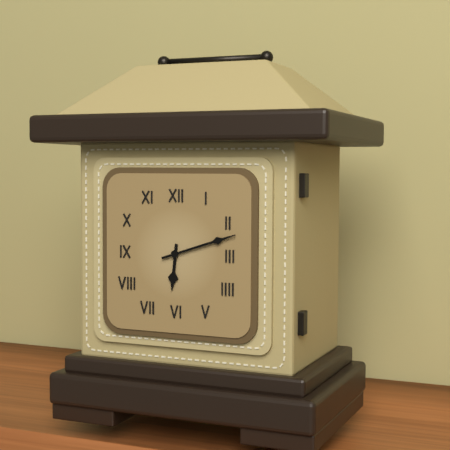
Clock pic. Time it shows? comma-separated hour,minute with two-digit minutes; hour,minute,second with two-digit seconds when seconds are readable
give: 6,12
